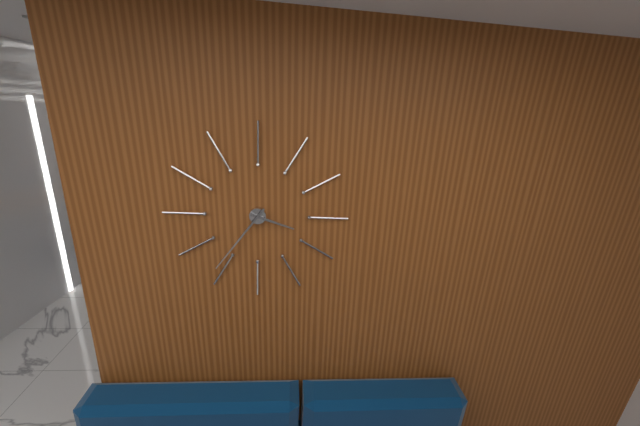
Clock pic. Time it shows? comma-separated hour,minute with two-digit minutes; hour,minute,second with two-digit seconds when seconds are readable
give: 3,36
